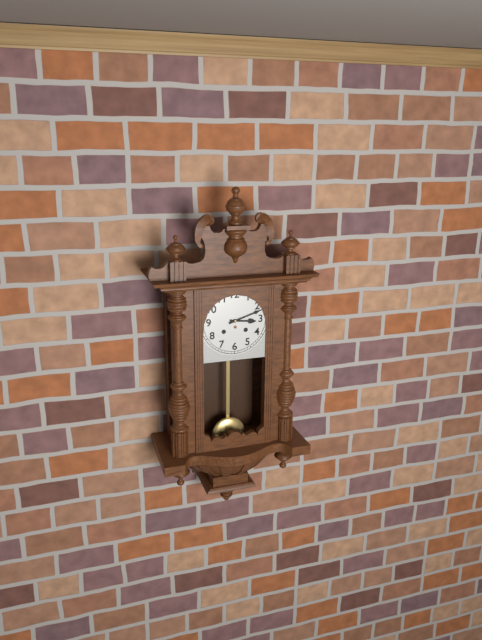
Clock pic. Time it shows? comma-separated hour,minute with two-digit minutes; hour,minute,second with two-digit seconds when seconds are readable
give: 3,12
